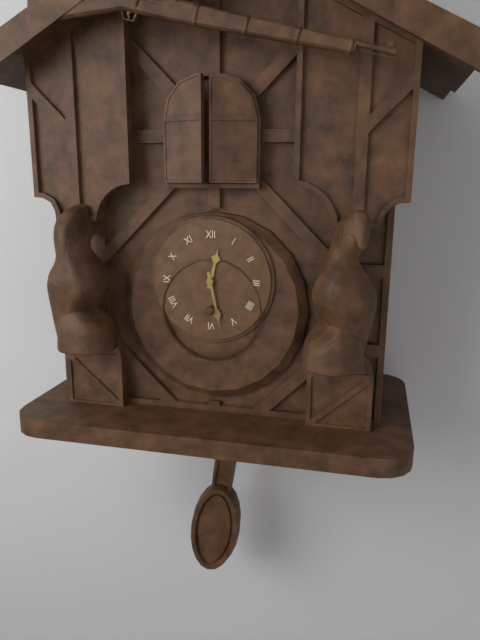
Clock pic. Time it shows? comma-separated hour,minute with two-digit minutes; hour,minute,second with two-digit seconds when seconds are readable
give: 12,28
